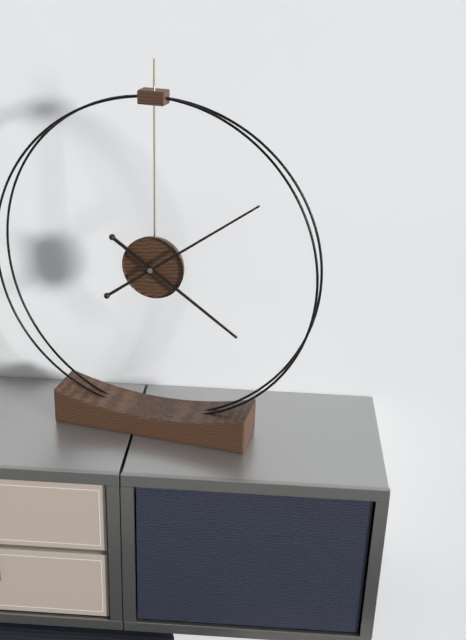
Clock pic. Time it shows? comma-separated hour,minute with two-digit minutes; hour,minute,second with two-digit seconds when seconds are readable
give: 4,09
